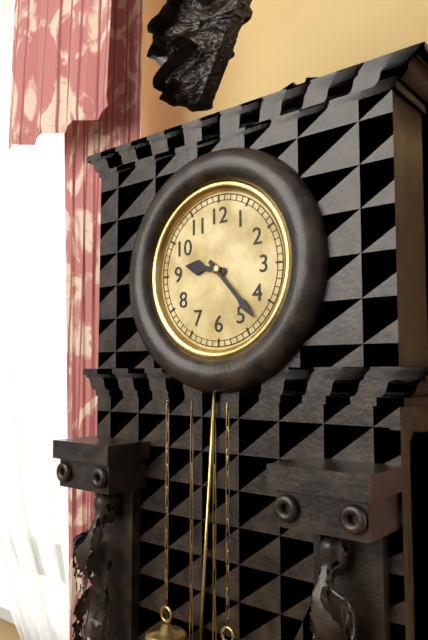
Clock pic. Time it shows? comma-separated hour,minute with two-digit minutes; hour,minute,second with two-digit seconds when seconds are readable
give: 9,23
